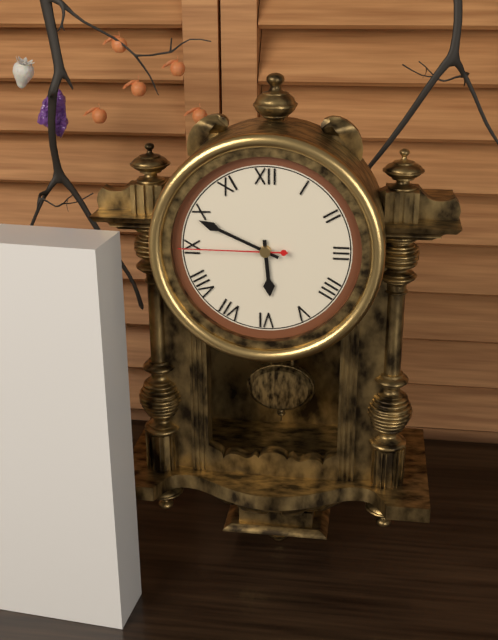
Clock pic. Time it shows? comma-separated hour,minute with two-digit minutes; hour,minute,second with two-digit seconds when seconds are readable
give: 5,49,45
